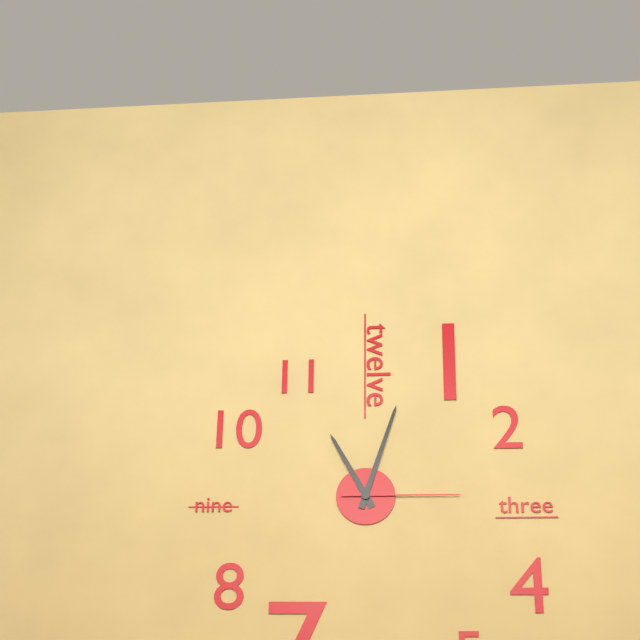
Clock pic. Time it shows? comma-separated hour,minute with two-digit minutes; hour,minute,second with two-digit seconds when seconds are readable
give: 11,03,15
